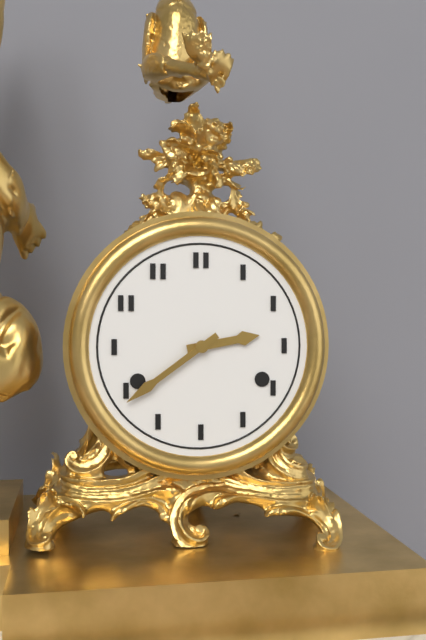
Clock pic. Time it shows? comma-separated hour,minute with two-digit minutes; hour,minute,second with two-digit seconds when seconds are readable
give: 2,39
